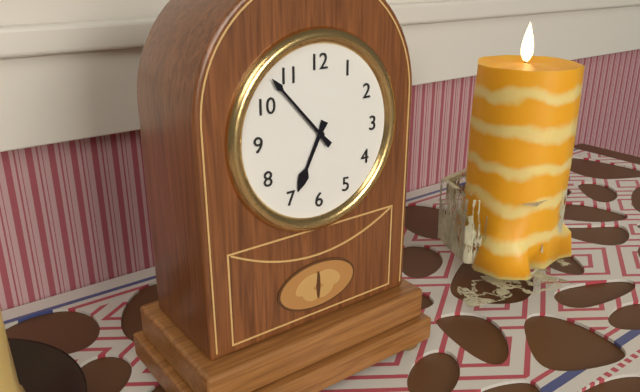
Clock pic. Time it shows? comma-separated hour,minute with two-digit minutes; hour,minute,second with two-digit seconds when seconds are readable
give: 6,53
